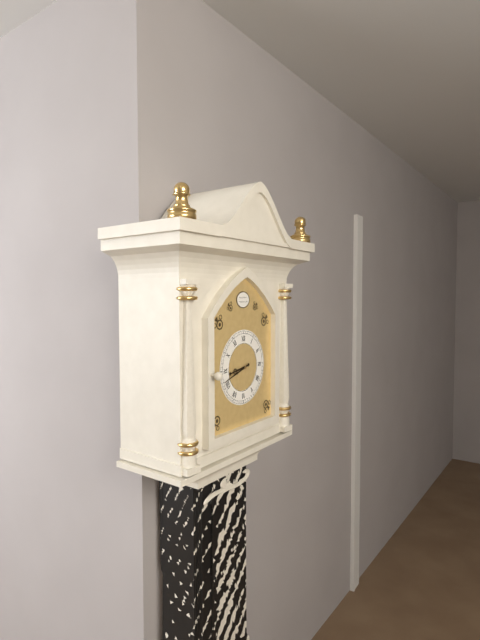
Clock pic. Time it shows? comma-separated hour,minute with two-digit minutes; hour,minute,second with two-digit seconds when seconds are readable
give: 8,42
